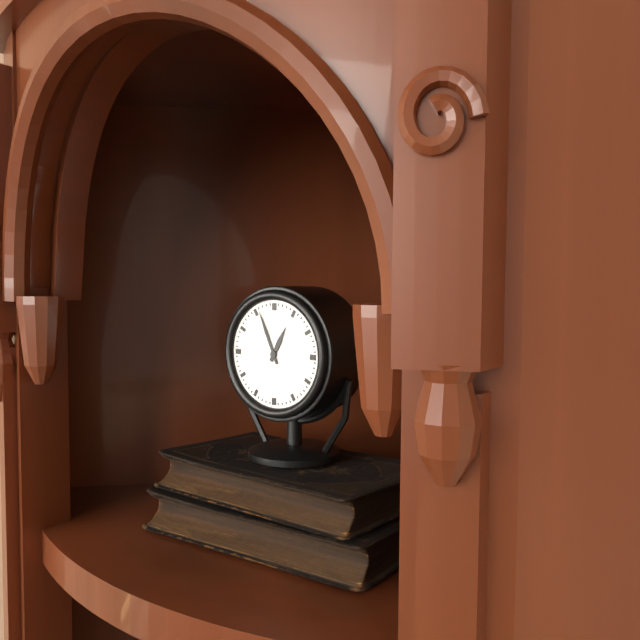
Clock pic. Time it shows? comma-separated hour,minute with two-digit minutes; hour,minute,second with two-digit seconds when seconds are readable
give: 12,56
